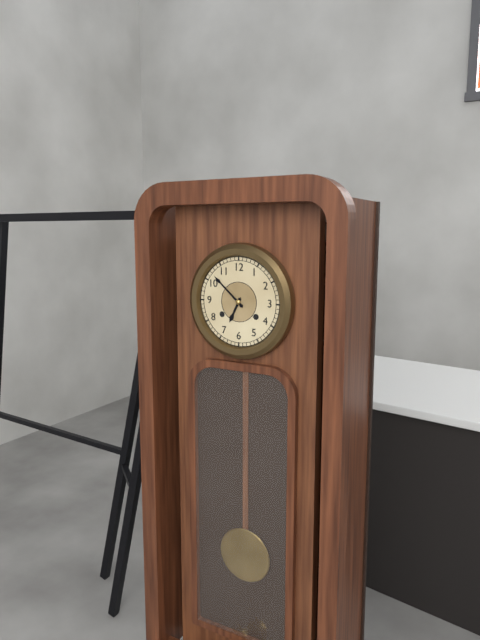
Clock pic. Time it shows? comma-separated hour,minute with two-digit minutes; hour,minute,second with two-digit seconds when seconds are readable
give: 6,52
